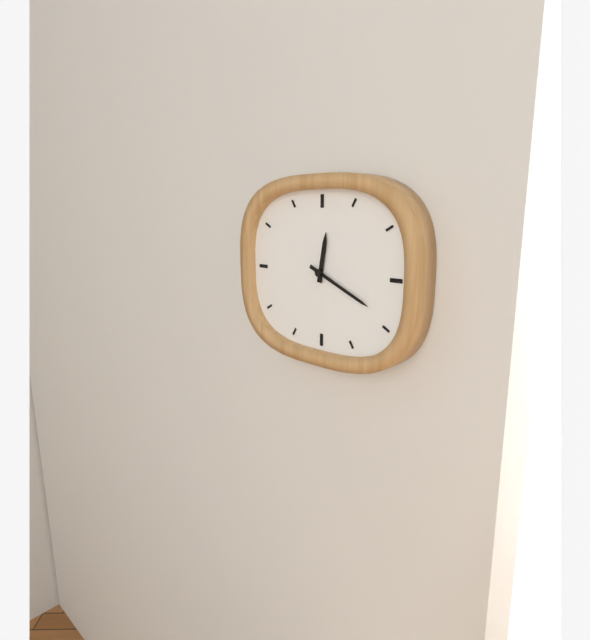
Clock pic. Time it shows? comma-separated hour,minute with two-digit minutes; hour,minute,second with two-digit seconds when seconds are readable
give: 12,19
